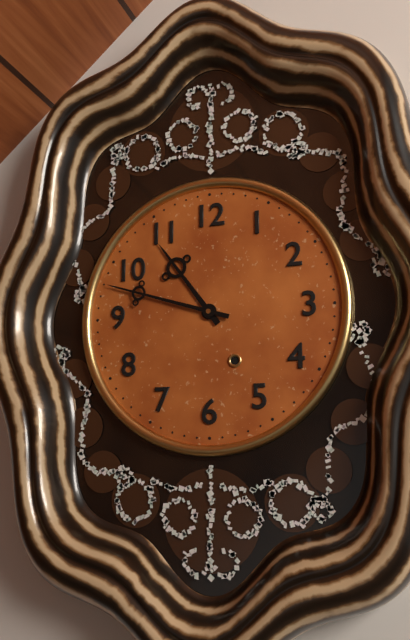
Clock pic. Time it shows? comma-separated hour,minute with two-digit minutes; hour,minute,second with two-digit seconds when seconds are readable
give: 10,48
